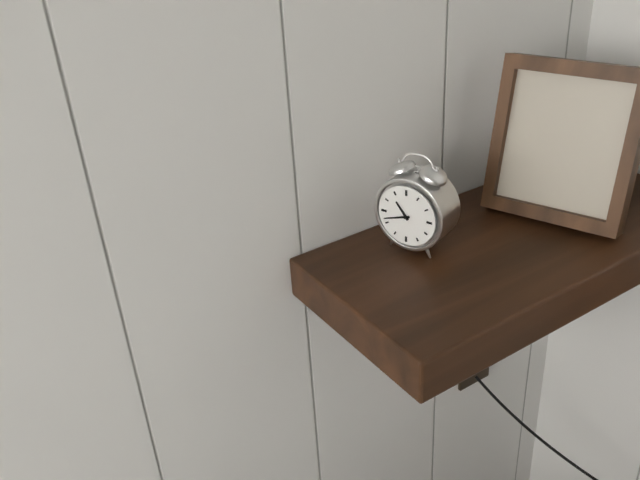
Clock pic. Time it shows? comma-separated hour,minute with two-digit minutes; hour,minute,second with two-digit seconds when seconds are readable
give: 10,42
